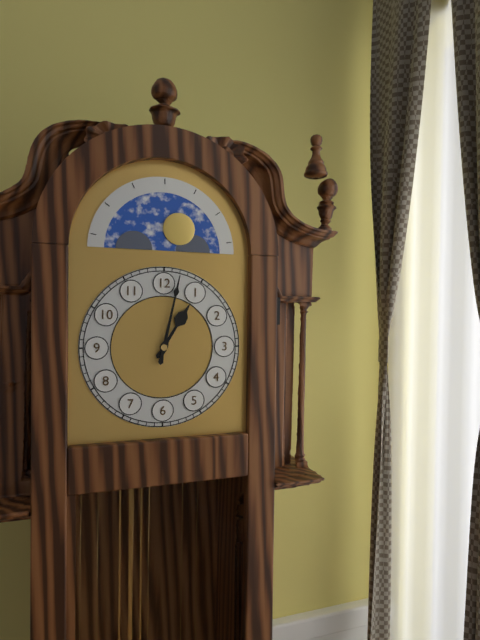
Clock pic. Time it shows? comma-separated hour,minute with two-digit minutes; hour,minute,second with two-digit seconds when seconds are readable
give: 1,02
